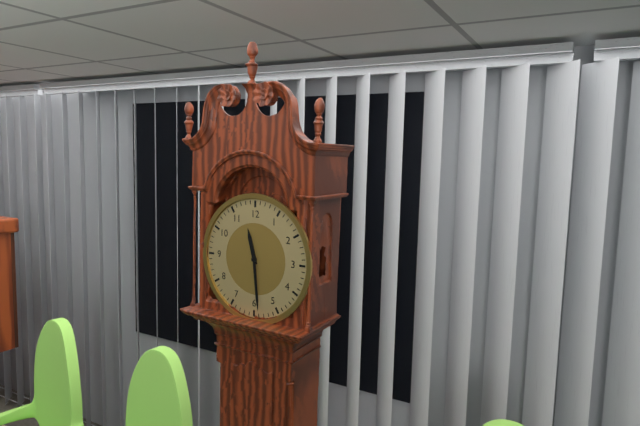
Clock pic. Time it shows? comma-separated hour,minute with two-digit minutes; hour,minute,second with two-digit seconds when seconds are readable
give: 11,29
